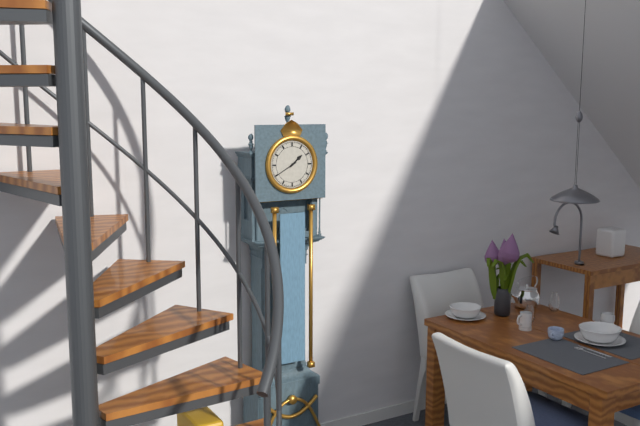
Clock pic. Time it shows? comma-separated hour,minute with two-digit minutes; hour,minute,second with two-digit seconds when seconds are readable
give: 1,40
